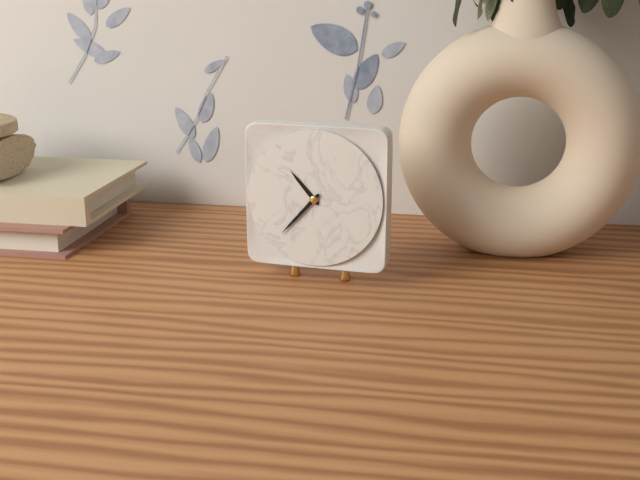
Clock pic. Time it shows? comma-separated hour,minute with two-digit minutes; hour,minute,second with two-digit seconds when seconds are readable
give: 10,37
